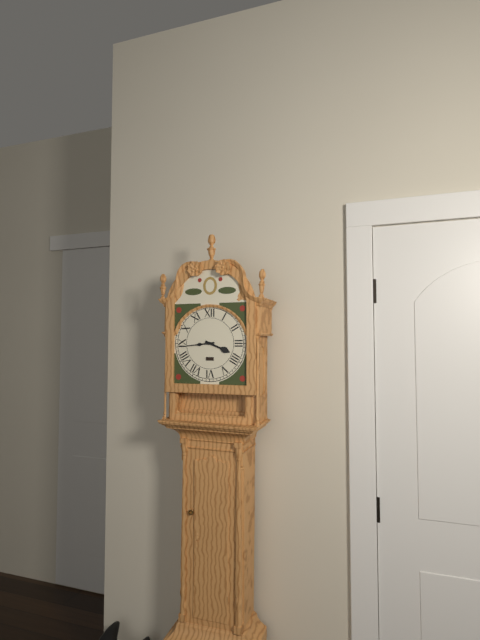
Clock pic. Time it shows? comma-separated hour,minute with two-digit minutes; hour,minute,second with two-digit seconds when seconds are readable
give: 3,44
